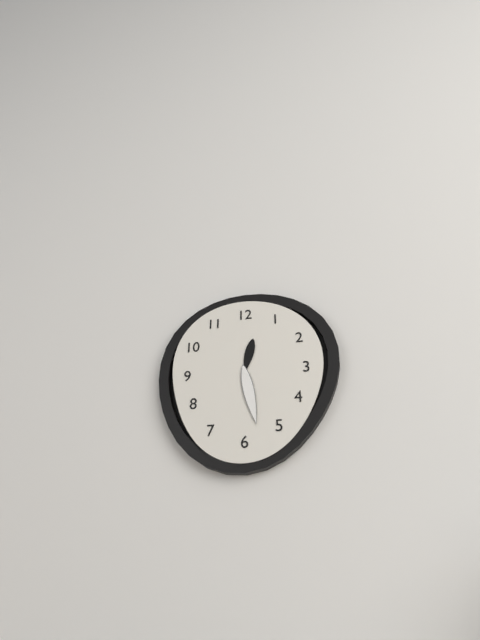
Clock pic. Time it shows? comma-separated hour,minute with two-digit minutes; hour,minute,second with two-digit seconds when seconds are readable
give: 12,28
